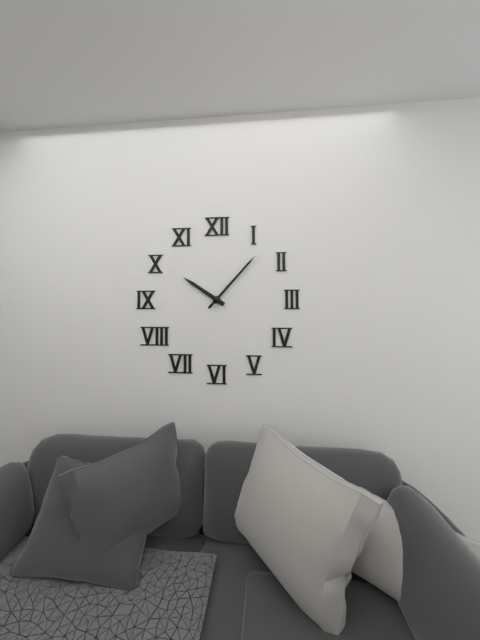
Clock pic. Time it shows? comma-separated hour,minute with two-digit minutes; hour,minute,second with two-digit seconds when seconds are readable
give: 10,07
